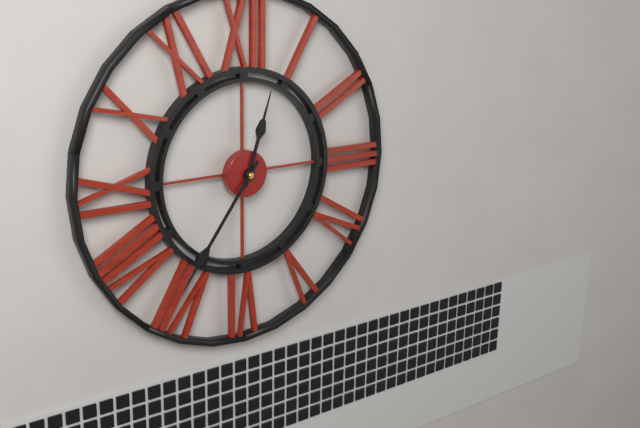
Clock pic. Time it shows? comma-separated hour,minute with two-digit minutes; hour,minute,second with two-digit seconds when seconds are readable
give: 12,36
